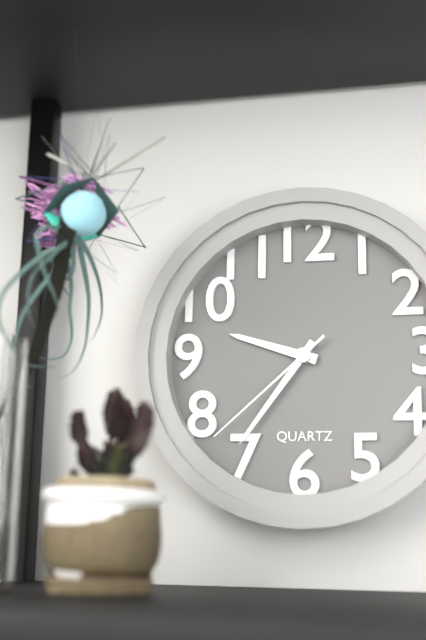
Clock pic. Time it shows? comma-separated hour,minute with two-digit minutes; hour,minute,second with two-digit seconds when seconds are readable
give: 9,36,38
